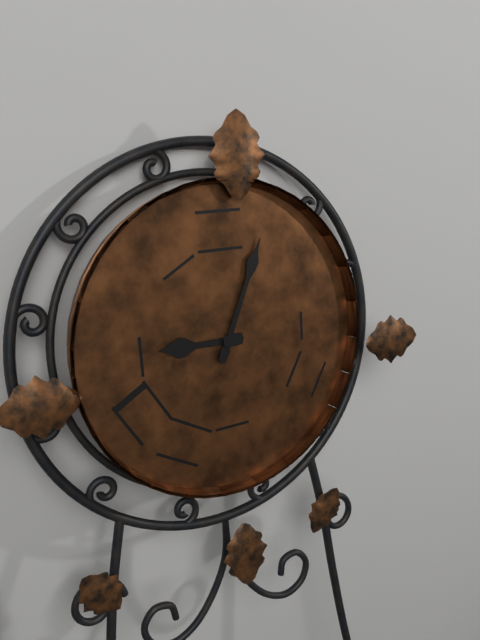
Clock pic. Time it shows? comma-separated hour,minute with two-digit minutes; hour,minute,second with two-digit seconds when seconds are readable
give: 9,04
